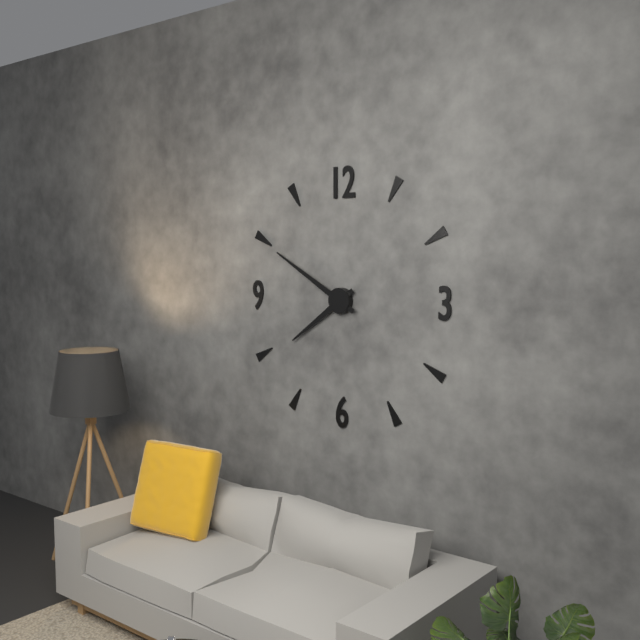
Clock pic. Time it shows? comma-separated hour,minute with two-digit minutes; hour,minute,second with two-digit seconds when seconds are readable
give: 7,50
